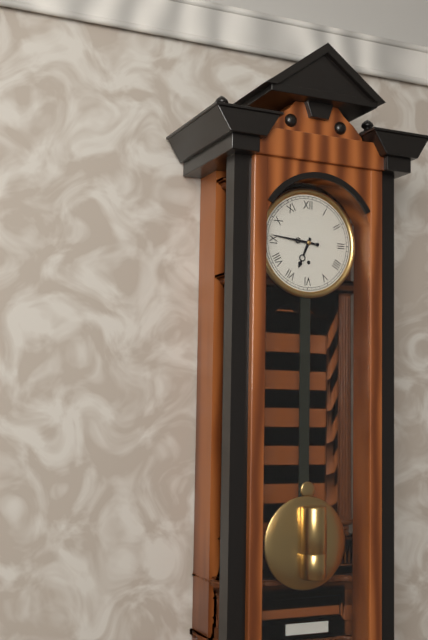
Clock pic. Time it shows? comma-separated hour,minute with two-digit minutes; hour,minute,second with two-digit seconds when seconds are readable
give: 6,46
